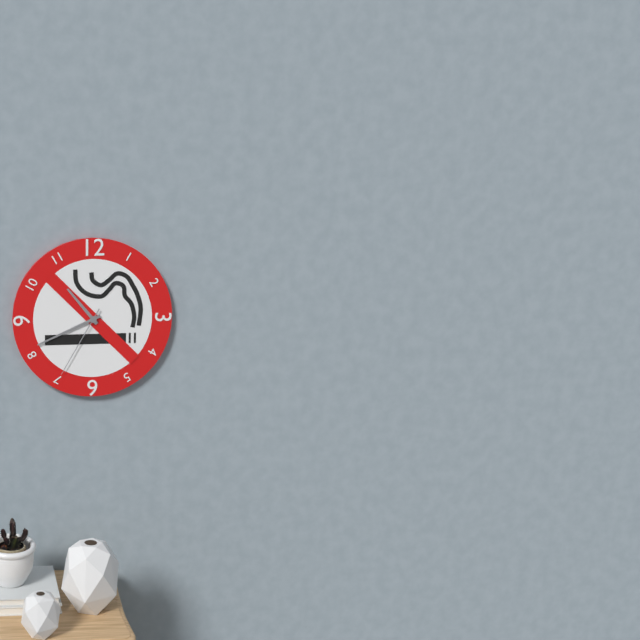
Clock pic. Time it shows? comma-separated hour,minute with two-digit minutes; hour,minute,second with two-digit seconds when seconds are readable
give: 10,41,35
